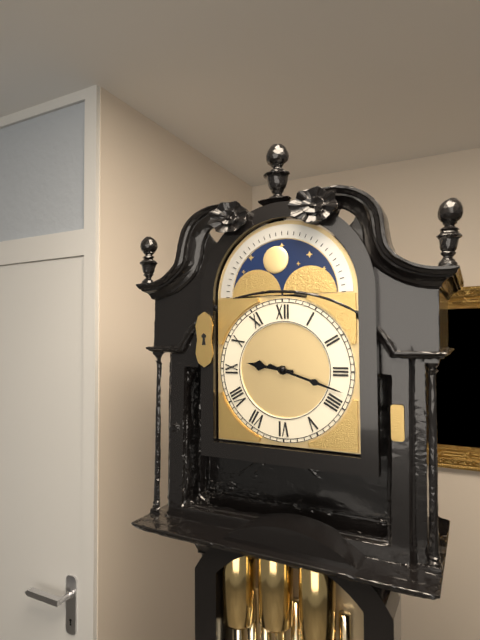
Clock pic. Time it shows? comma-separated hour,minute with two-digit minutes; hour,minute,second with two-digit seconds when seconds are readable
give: 9,18
